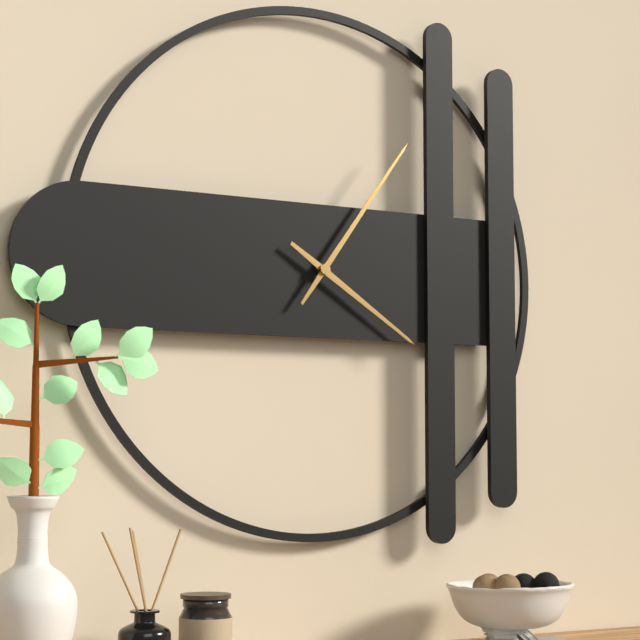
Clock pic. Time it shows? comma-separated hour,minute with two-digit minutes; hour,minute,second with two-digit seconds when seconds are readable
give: 4,06
